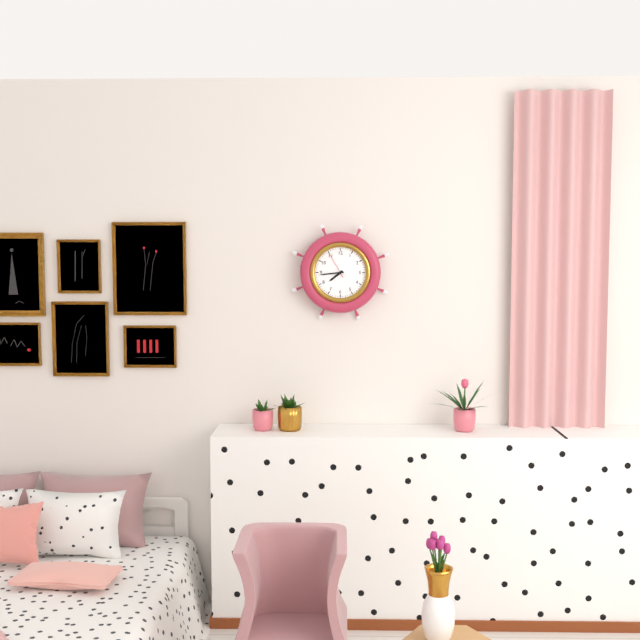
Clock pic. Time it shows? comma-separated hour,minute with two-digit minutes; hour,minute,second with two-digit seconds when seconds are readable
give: 7,44
